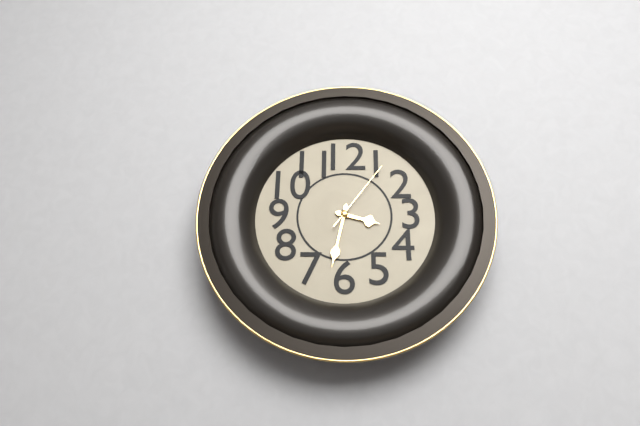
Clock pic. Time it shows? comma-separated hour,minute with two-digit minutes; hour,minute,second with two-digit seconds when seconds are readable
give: 3,32,06
